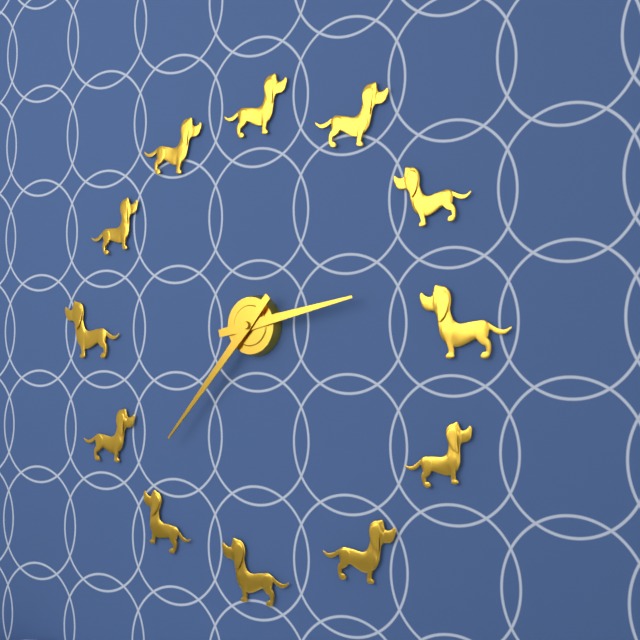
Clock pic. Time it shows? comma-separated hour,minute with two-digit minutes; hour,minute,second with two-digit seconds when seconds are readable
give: 2,37
